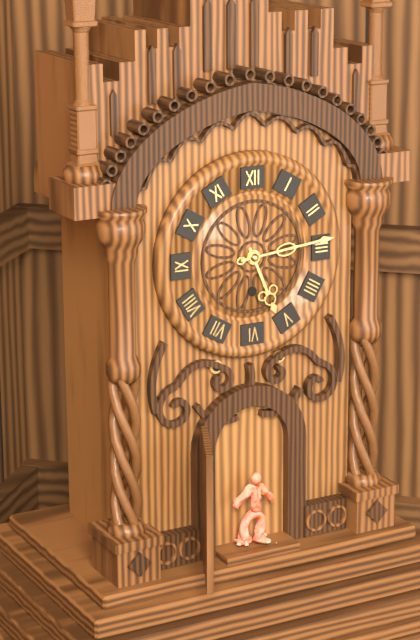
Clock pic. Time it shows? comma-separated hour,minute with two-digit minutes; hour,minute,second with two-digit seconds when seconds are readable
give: 5,14
